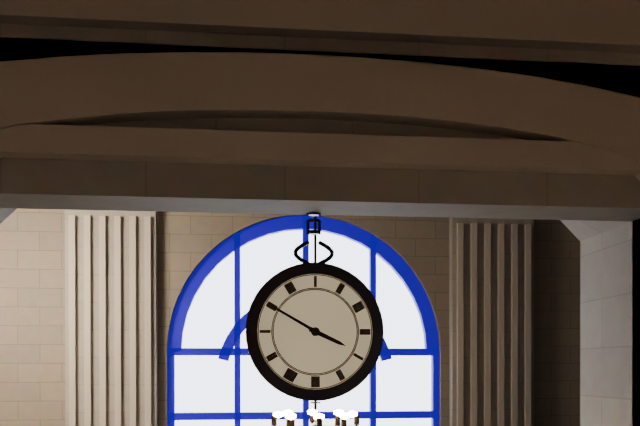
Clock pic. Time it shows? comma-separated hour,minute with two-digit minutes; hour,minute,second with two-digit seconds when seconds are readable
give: 3,50
